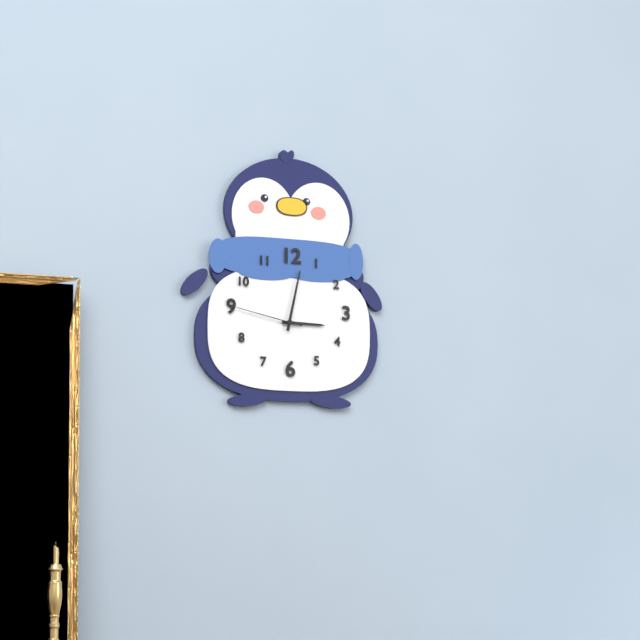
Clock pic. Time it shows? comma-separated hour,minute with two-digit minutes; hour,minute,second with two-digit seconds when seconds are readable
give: 3,02,47
